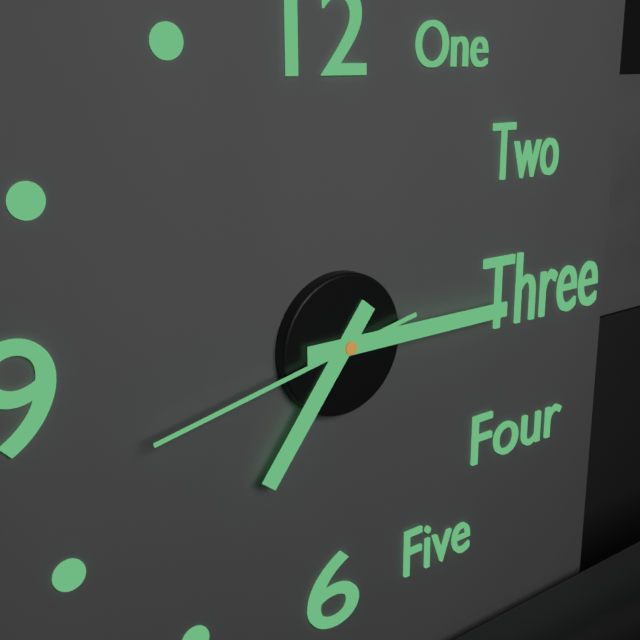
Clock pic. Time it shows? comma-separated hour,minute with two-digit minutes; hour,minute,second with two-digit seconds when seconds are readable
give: 7,15,43
